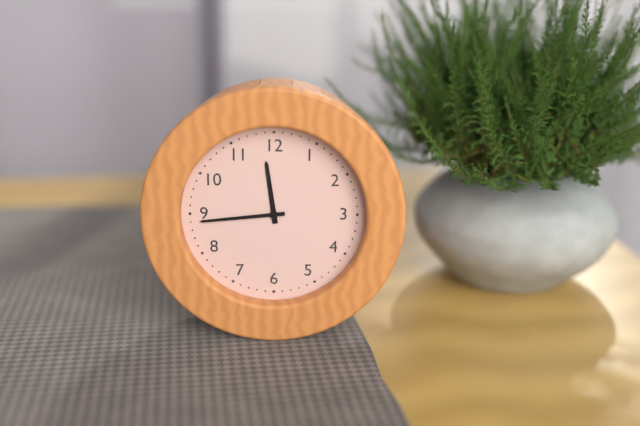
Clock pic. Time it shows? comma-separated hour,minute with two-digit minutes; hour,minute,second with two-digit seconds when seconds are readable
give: 11,44
